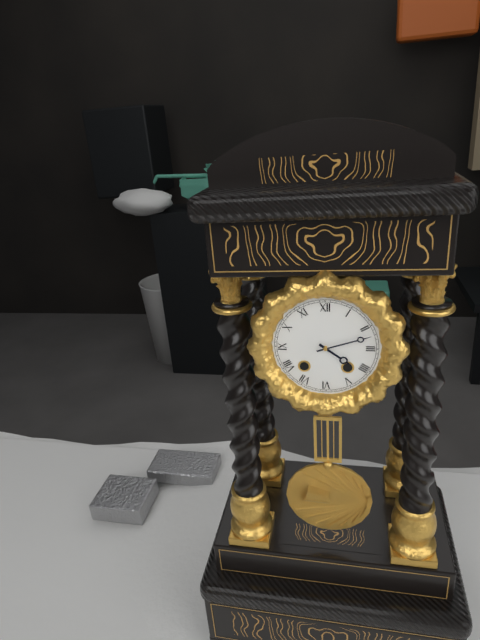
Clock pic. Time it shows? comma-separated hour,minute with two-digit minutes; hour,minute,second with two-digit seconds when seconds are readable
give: 4,12
